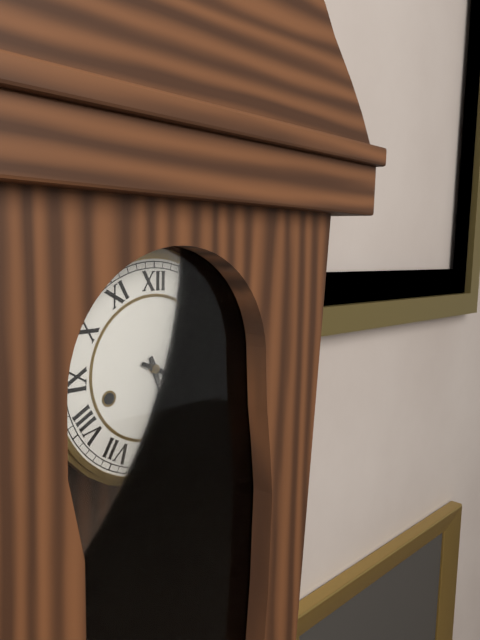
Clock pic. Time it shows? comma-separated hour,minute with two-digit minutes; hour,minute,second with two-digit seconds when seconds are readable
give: 5,19
